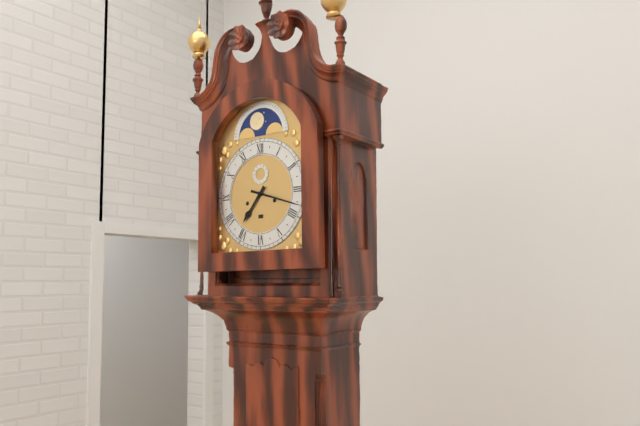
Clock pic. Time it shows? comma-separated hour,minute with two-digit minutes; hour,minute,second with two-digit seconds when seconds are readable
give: 7,18
